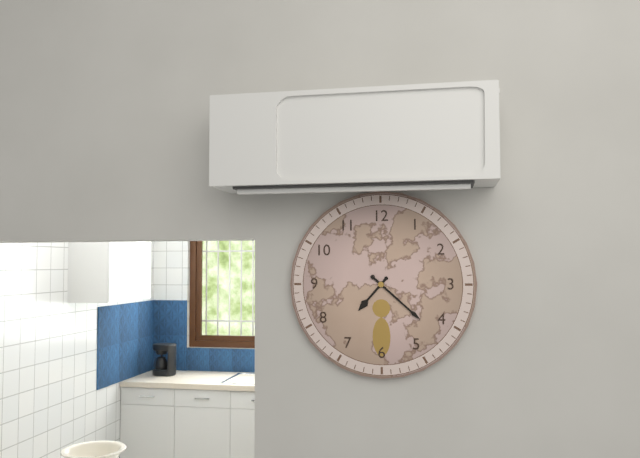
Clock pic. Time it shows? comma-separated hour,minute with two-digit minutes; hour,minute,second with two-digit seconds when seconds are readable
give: 7,22
